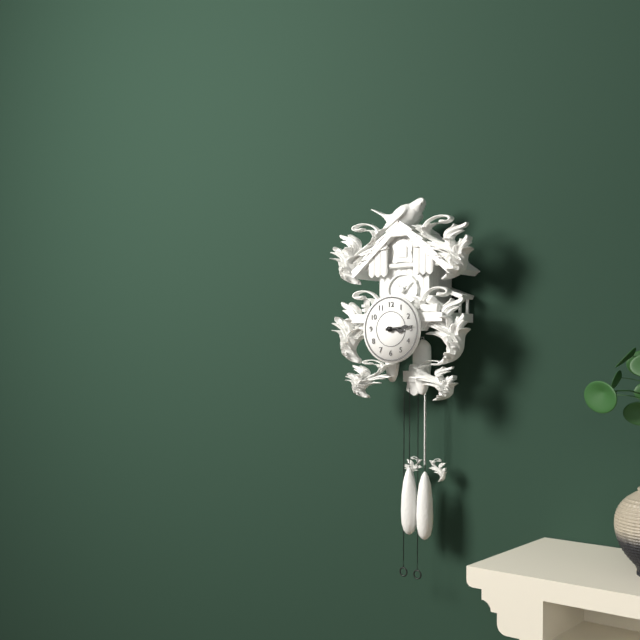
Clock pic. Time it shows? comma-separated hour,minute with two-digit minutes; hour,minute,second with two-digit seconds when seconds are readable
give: 3,14
